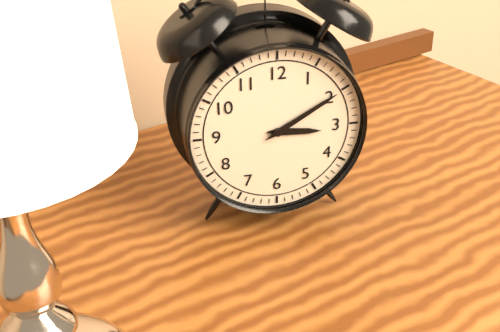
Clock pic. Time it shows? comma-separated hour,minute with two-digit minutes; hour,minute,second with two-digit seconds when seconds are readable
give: 3,10
